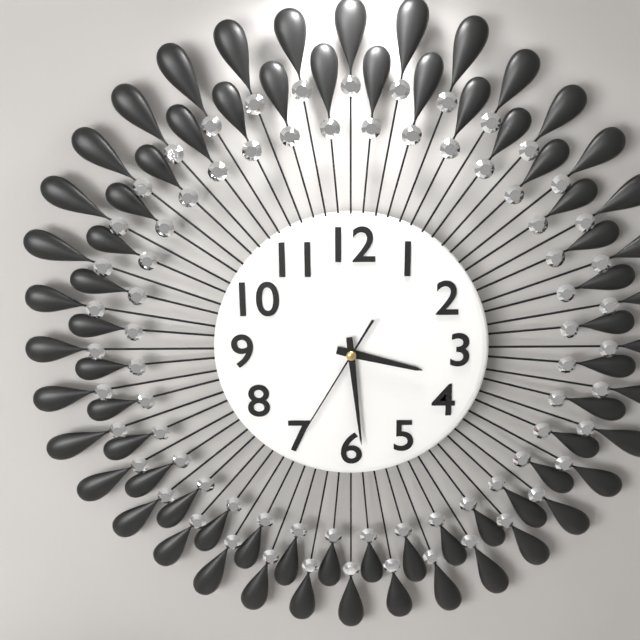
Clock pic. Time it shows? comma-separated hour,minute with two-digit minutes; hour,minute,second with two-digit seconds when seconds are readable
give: 3,29,35
